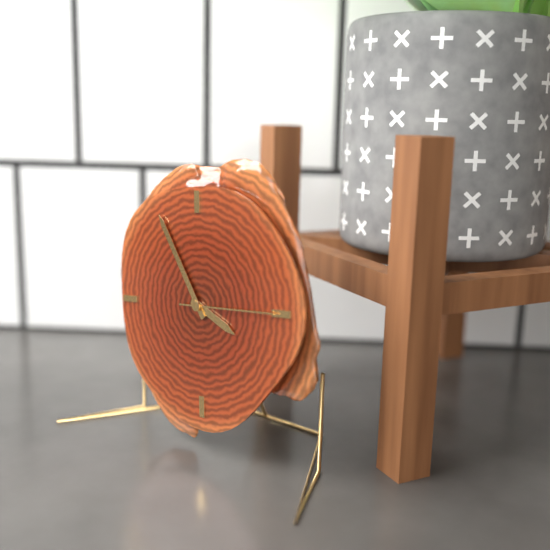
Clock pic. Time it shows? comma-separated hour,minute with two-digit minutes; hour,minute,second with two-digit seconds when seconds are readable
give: 3,55,15
